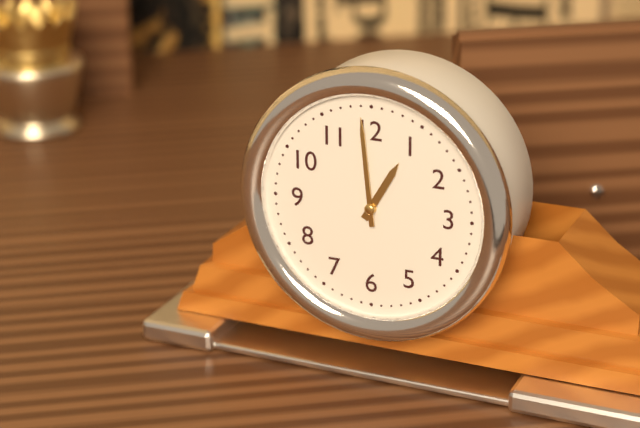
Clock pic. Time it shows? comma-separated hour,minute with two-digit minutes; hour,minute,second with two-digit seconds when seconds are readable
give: 12,59
